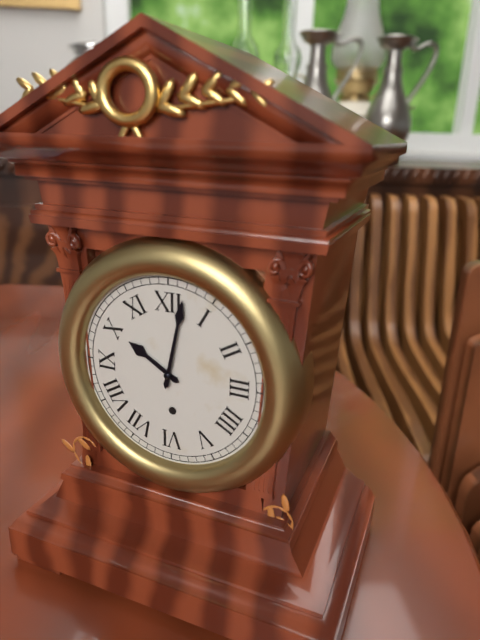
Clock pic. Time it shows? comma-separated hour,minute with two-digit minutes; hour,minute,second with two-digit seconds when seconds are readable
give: 10,02
